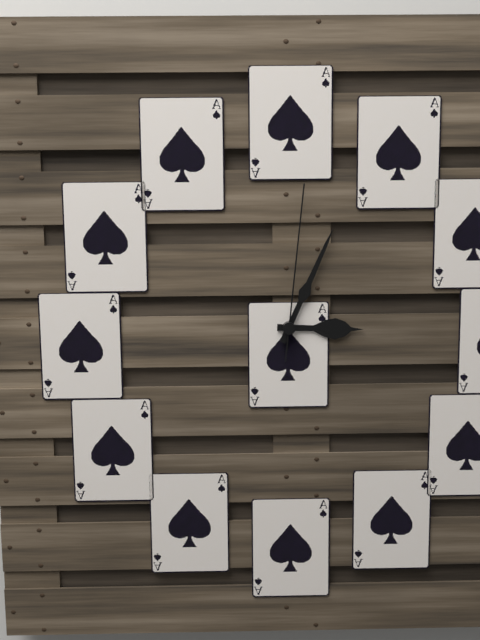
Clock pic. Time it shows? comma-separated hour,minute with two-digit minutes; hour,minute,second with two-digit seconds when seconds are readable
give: 3,04,01
